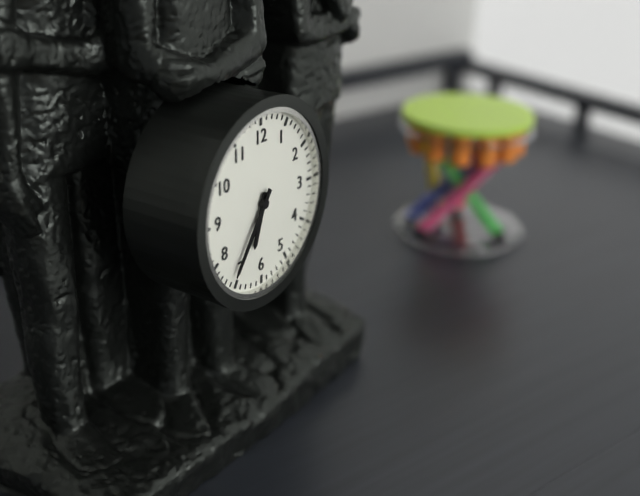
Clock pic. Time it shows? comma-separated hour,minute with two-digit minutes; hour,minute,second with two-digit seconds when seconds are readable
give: 6,36
